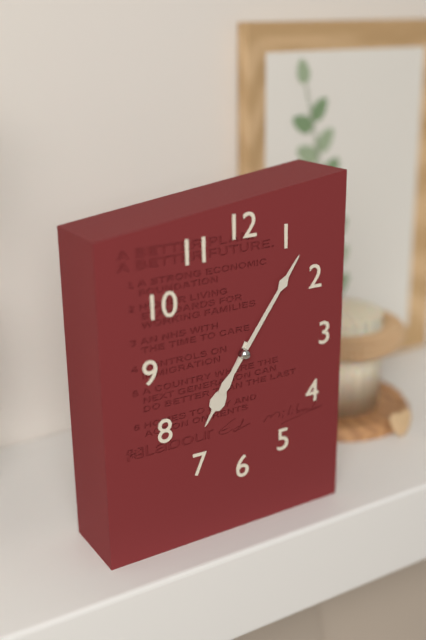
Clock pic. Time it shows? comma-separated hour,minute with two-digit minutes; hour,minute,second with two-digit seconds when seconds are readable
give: 7,06
